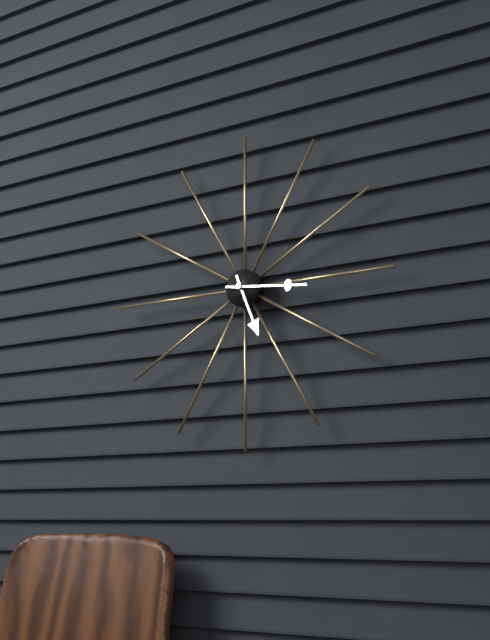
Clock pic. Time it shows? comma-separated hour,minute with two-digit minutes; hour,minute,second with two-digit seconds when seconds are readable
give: 5,16
